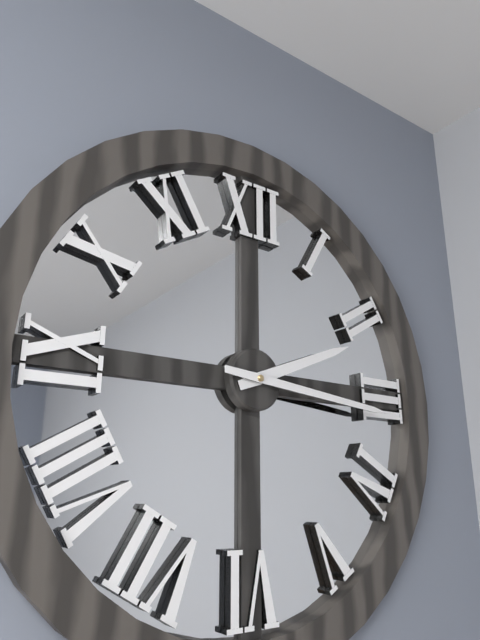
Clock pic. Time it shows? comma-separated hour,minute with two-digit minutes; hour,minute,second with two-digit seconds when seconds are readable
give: 2,16
